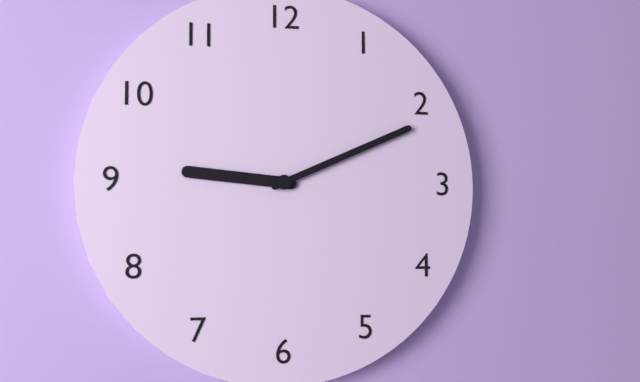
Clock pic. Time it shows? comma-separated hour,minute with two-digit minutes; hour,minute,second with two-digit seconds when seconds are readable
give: 9,11
